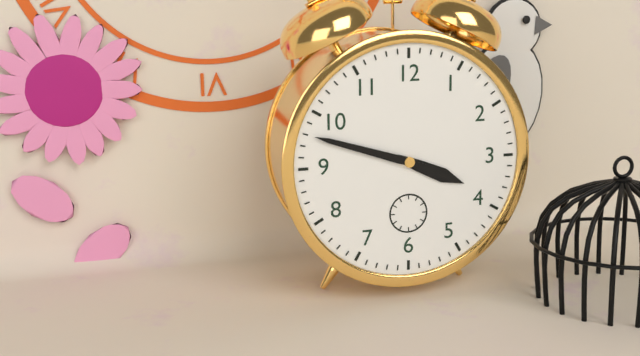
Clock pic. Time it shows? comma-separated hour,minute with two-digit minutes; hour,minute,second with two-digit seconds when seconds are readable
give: 3,48
